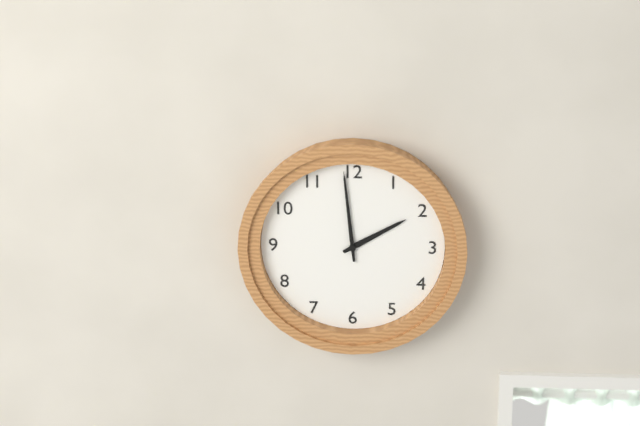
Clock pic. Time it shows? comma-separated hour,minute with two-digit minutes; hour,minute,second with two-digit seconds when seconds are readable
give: 1,59
